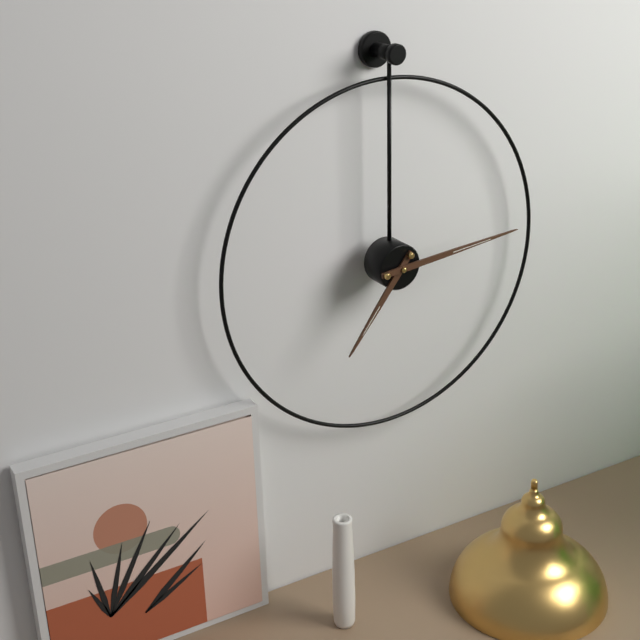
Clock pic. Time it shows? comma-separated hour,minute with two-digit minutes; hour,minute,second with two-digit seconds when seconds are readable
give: 7,14
